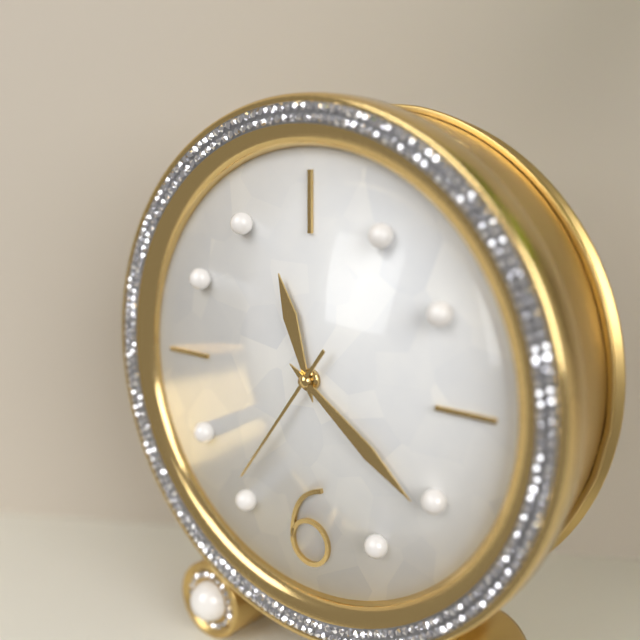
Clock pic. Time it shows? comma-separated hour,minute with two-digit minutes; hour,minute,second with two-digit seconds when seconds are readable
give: 11,21,36
